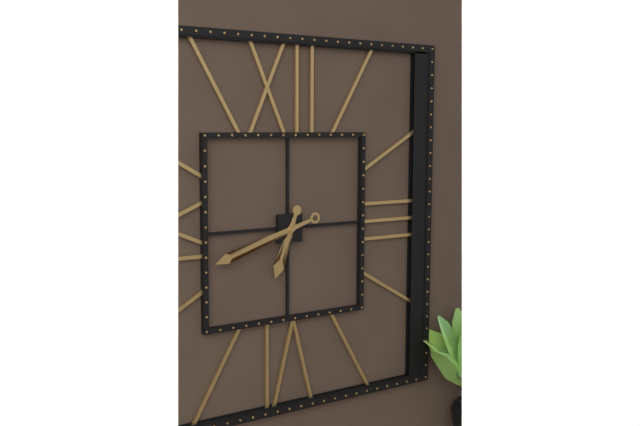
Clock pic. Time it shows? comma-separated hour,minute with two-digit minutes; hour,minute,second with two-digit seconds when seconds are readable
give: 6,42
